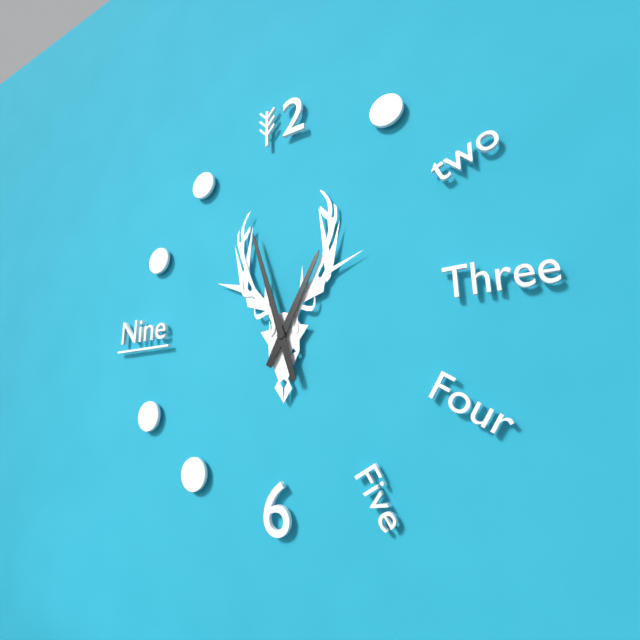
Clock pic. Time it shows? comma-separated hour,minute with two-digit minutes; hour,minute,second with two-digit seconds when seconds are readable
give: 12,57
